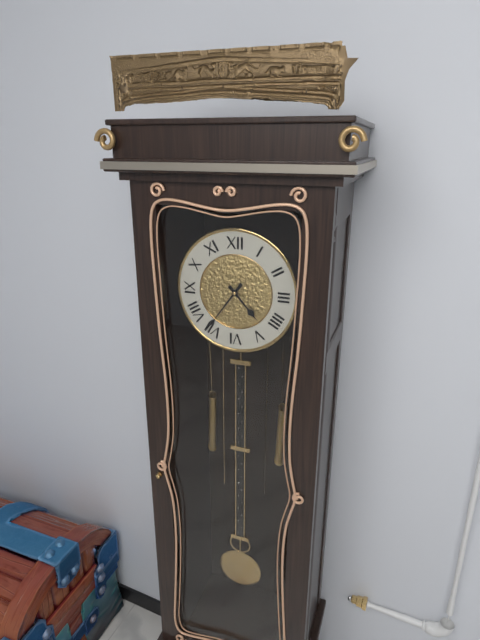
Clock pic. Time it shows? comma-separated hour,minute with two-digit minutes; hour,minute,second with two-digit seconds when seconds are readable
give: 4,36
